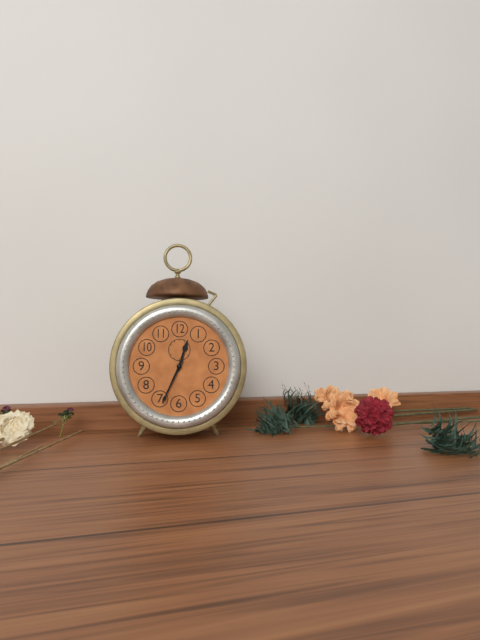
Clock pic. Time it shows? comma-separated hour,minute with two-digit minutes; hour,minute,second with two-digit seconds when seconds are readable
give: 12,34
